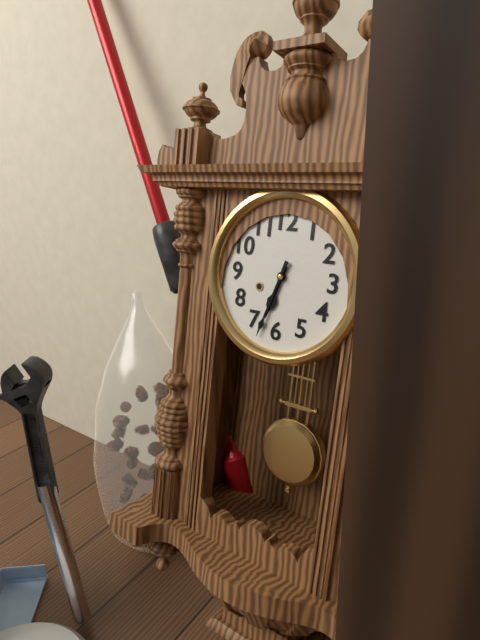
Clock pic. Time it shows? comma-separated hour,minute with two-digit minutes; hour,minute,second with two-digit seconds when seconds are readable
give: 6,33
